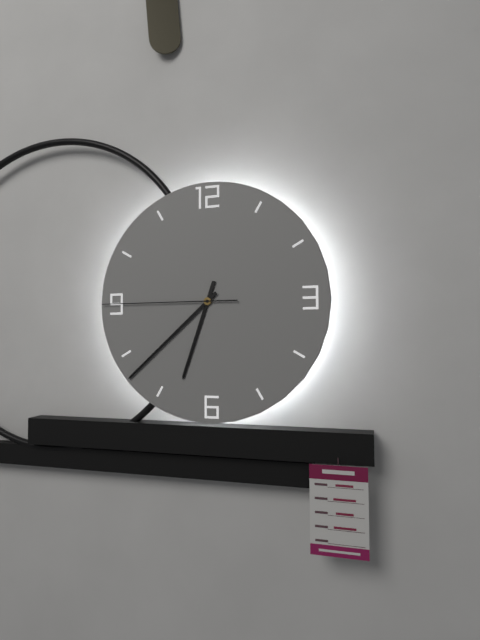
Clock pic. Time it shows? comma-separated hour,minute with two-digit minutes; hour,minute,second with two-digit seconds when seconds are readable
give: 6,38,45
